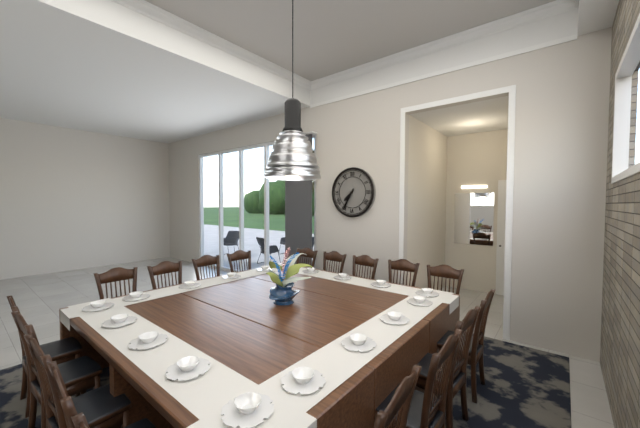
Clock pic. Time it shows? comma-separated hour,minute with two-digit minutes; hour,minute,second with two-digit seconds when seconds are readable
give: 7,35
